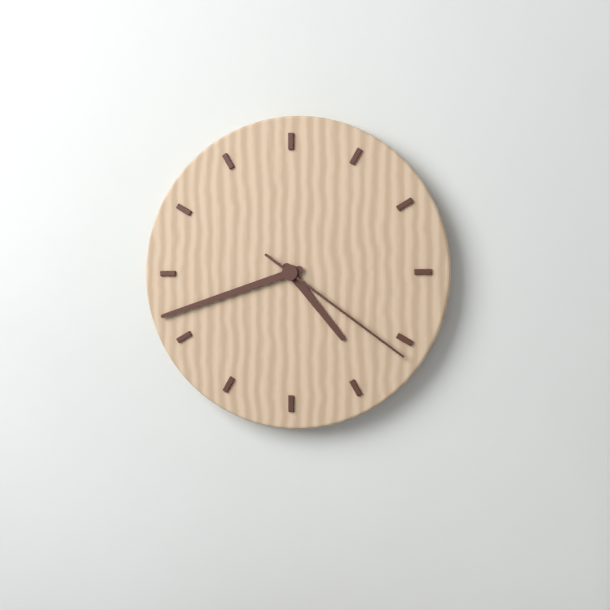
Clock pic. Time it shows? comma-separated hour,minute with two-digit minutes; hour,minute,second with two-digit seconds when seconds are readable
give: 4,42,21
